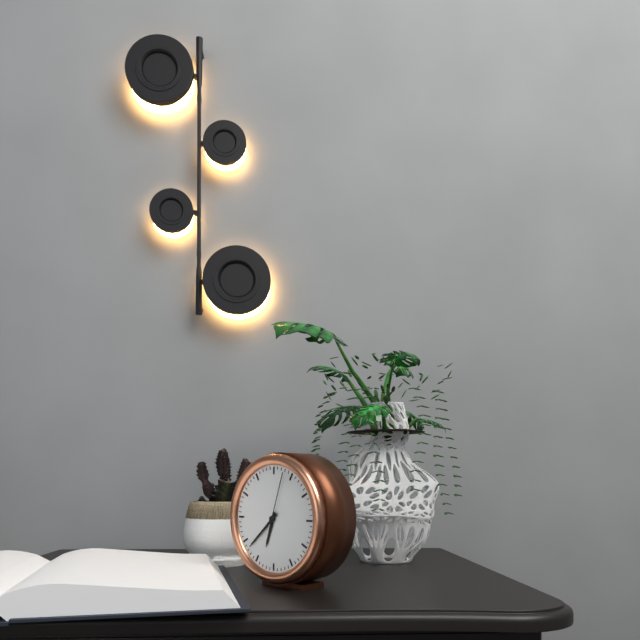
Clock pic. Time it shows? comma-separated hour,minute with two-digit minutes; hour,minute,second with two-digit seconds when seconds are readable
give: 6,38,03
